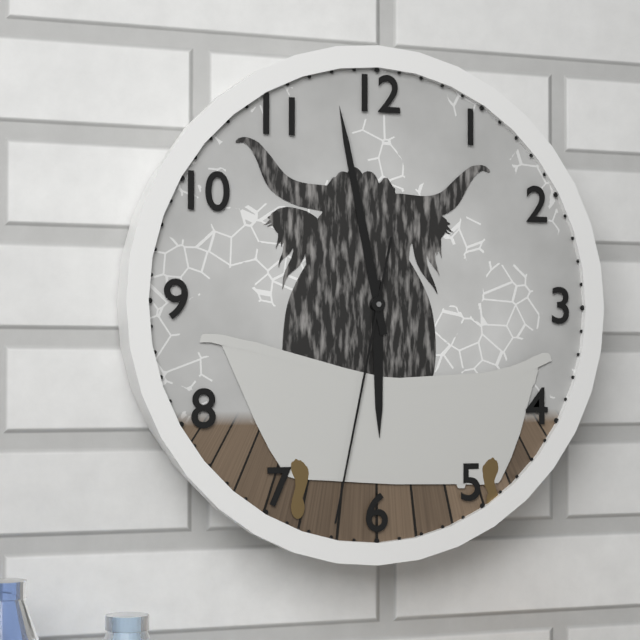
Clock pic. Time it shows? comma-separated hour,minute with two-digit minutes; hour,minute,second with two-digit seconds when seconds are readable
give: 5,58,32
